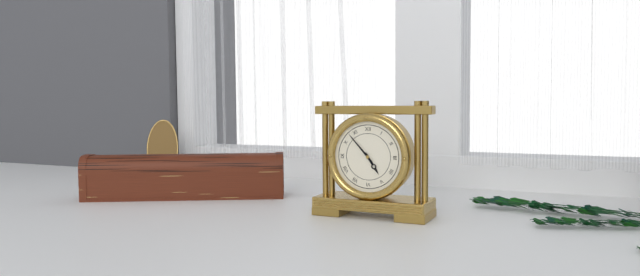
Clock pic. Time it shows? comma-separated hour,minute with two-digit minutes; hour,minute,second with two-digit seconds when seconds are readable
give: 4,53
